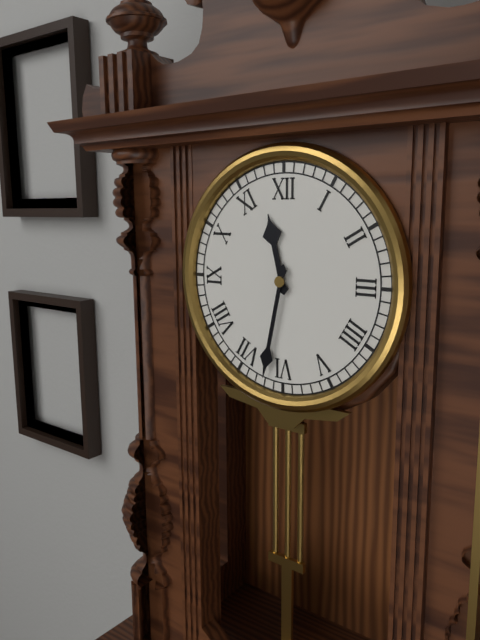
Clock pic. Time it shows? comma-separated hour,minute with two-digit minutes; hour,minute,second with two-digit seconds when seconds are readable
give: 11,32
